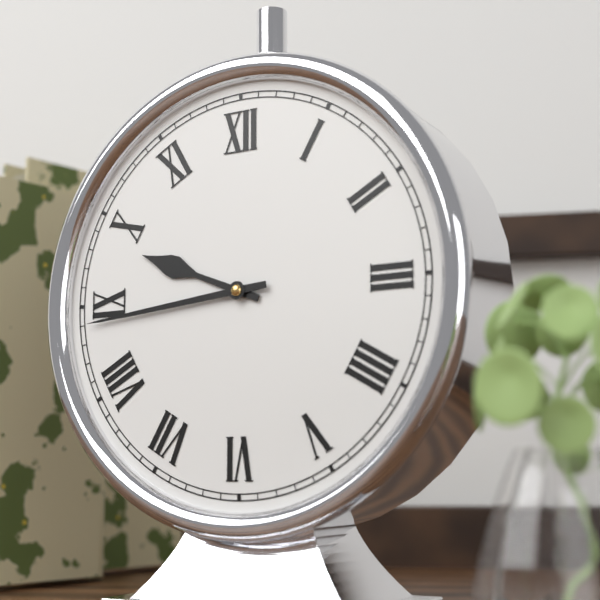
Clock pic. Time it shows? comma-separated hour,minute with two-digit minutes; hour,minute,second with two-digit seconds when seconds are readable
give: 9,44
